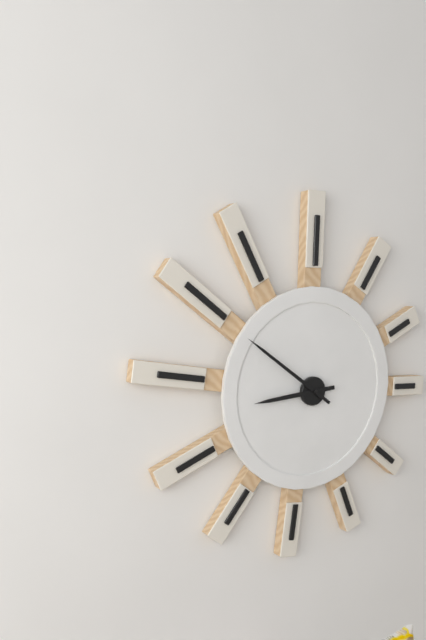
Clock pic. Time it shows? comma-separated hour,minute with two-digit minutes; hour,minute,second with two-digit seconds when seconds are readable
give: 8,51
